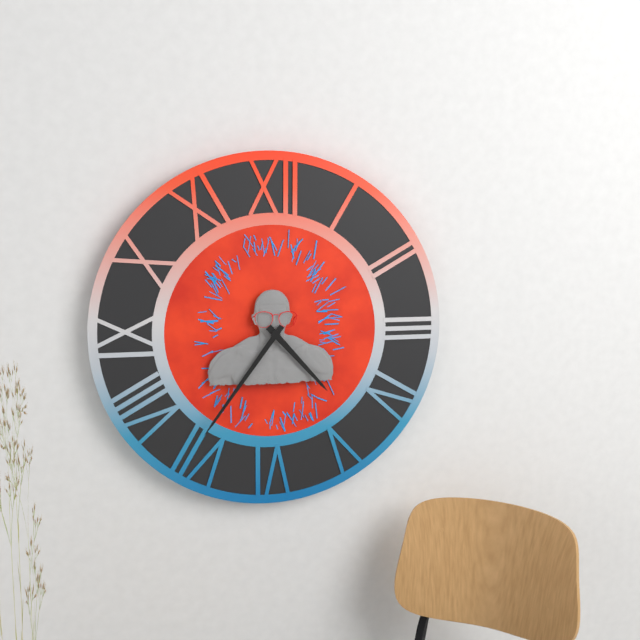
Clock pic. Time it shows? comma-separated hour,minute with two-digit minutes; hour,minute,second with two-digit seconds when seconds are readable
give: 4,36
